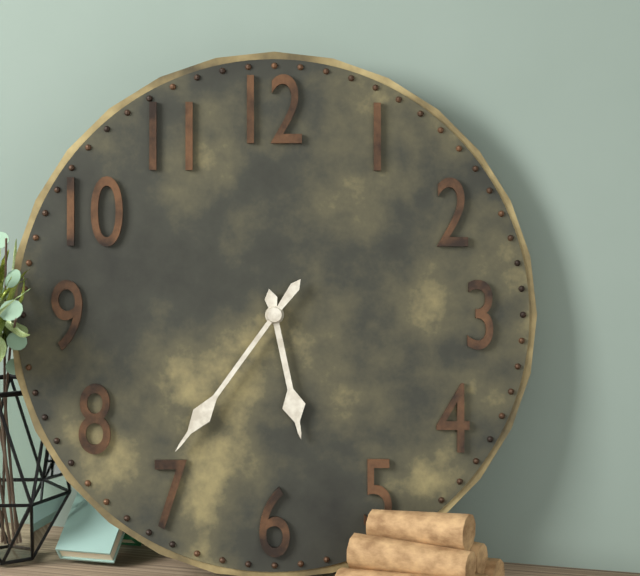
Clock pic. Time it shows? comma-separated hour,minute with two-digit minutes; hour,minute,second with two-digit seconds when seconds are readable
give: 5,36
